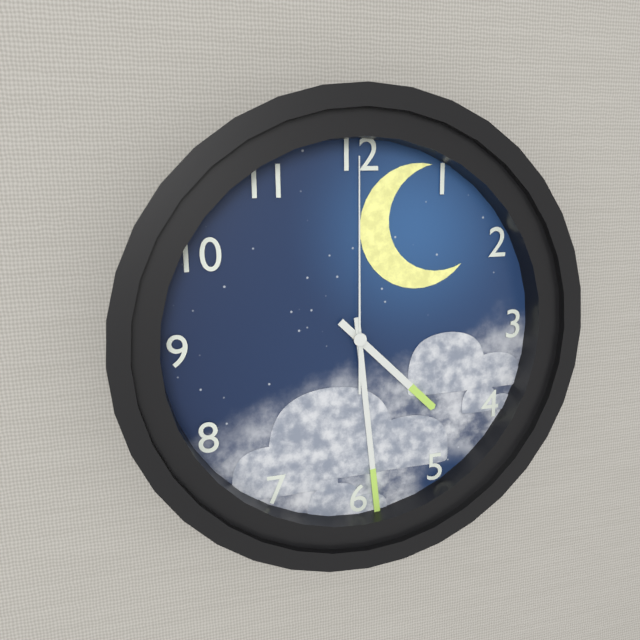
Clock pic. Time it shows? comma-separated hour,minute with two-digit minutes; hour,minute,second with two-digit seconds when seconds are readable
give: 4,29,00
